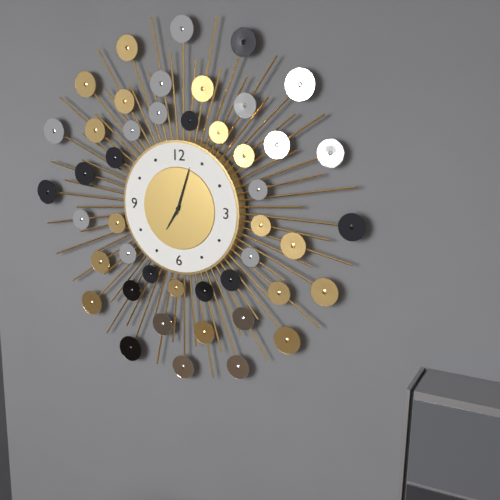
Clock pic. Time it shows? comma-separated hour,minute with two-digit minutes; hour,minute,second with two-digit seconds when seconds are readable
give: 7,03
